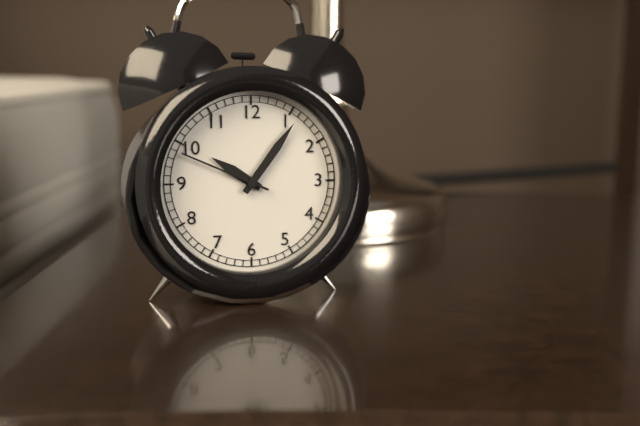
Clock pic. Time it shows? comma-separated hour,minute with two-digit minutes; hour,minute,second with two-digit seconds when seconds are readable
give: 10,06,49
